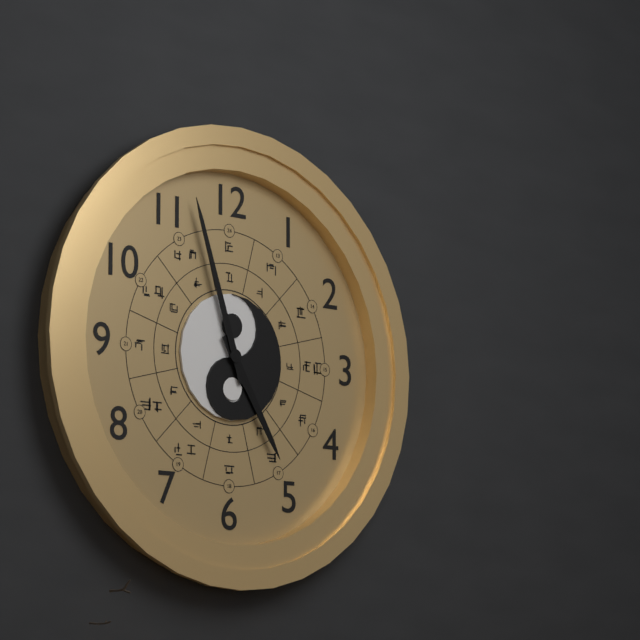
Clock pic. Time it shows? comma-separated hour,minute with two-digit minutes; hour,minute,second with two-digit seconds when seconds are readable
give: 4,57
